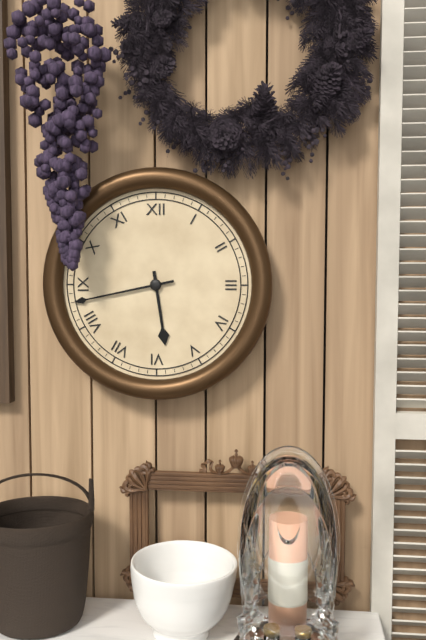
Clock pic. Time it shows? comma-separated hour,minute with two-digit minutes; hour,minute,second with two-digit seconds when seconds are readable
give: 5,43
